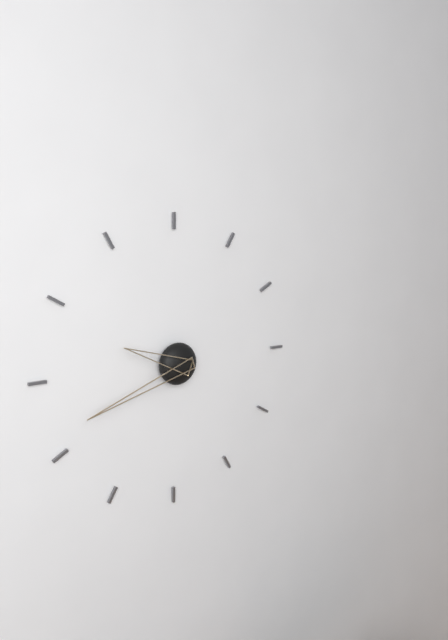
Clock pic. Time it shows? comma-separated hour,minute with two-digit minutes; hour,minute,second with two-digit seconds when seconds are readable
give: 9,42
